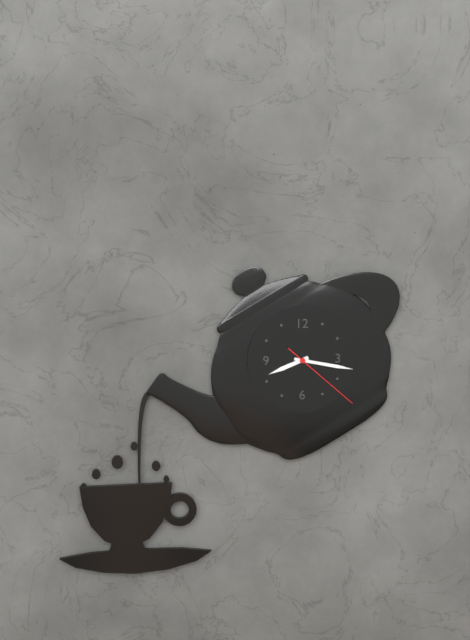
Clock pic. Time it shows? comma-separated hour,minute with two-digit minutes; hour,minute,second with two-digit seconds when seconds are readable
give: 8,17,22
